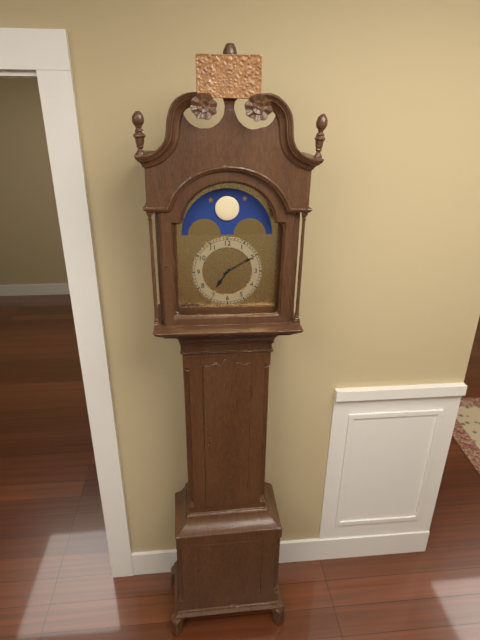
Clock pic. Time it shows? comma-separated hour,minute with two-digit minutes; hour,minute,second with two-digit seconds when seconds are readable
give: 7,10
